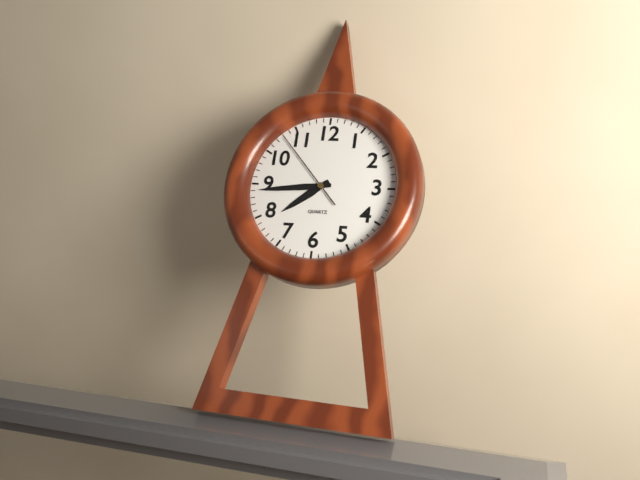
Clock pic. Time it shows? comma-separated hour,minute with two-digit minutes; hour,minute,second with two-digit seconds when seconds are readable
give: 7,44,53
